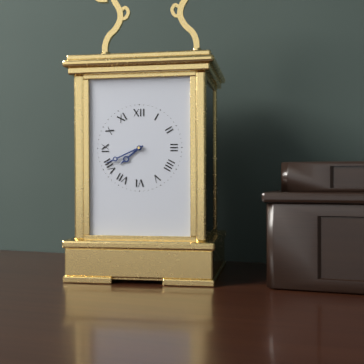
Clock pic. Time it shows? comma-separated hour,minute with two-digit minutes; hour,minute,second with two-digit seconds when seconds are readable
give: 7,41
